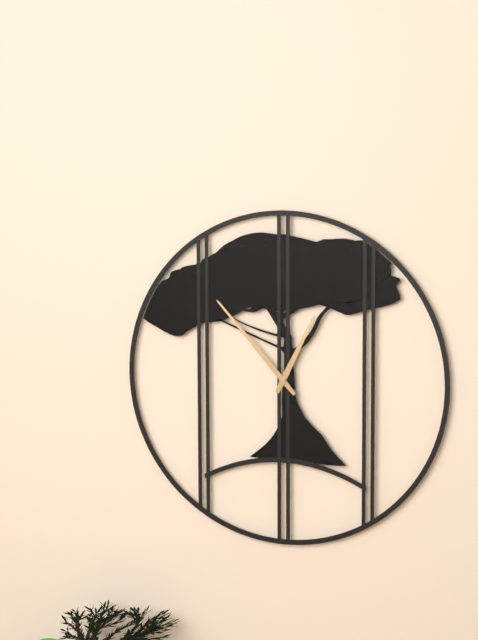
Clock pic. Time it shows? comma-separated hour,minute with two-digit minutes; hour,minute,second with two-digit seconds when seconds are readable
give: 12,53
